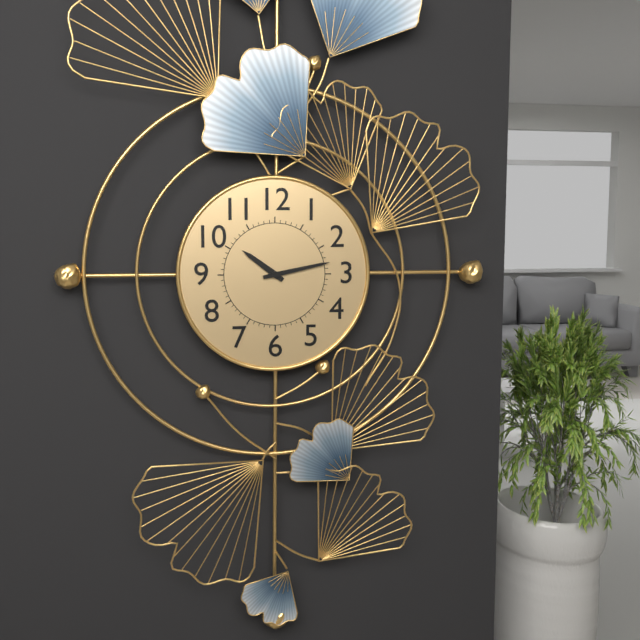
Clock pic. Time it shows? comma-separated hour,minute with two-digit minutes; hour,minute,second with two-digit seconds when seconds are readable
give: 10,13
